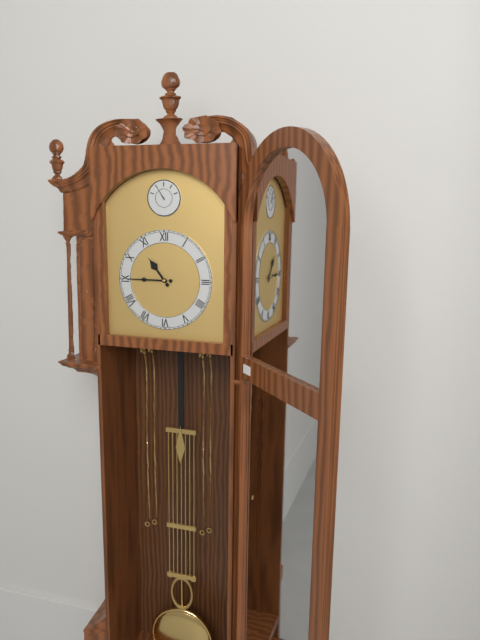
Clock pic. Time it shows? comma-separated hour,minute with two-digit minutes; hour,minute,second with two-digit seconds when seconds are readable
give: 10,45
